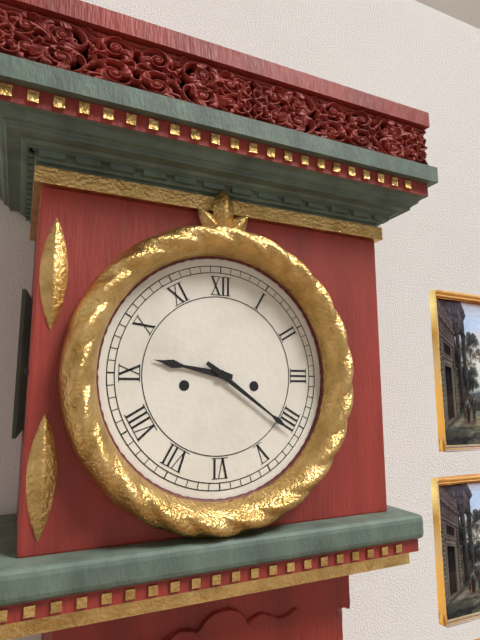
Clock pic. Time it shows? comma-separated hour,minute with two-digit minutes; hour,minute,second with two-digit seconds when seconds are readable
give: 9,21
